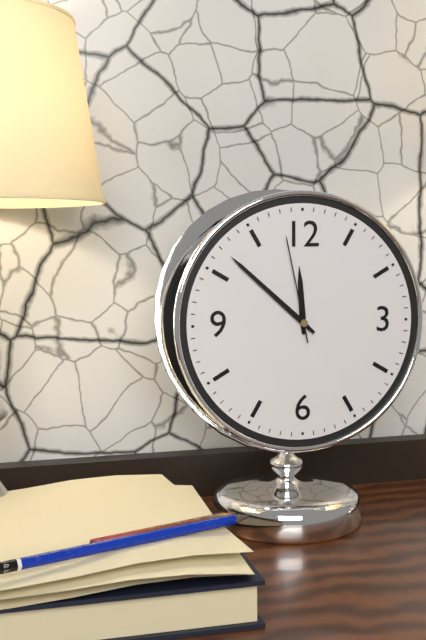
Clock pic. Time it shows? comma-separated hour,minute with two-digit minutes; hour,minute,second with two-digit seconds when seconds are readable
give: 11,52,58
